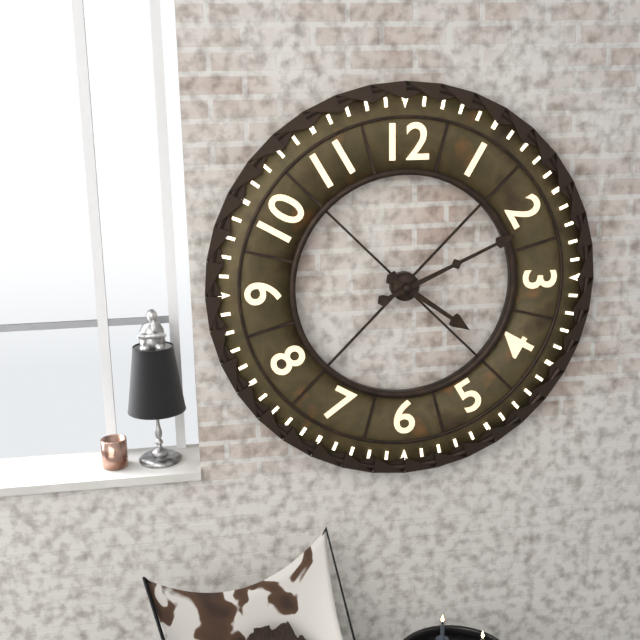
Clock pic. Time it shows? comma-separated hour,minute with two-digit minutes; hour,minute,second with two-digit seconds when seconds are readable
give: 4,11
